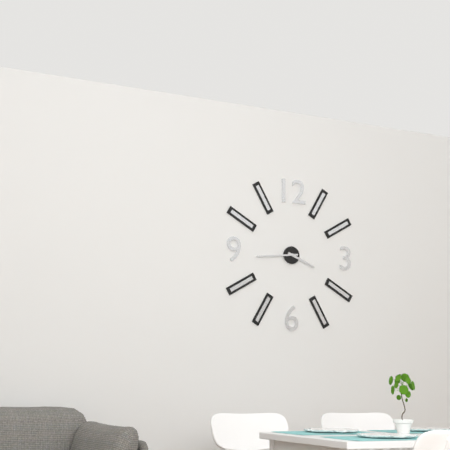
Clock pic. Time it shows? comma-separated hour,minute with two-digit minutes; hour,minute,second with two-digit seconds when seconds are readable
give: 3,44
